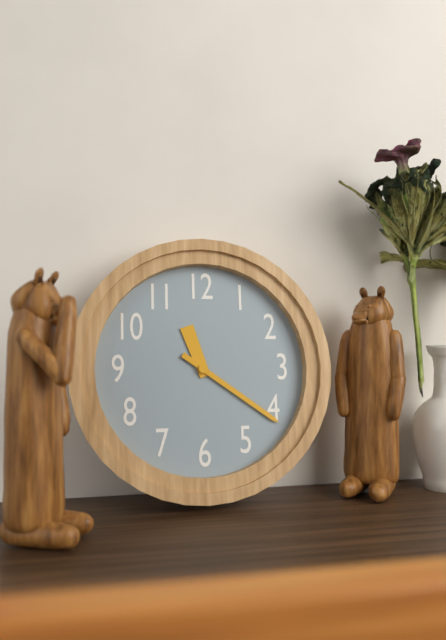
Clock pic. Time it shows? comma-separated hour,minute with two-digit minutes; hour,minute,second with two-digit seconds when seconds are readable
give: 11,21
